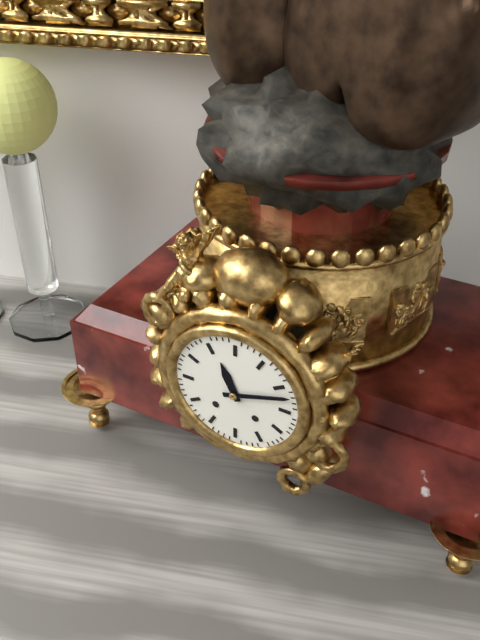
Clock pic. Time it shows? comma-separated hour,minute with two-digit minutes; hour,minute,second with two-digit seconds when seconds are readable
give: 11,12
